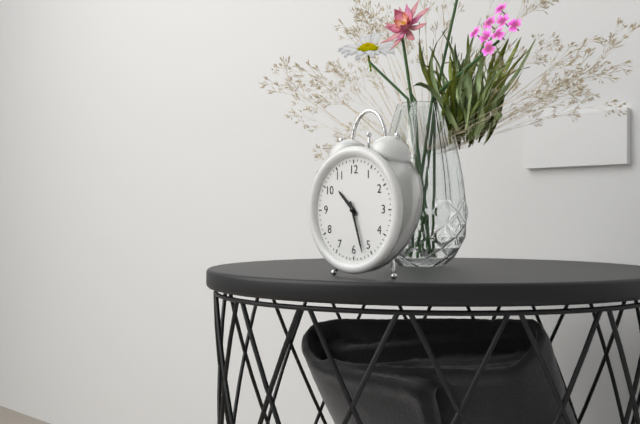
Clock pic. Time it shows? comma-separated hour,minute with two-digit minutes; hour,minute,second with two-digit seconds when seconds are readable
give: 10,27
